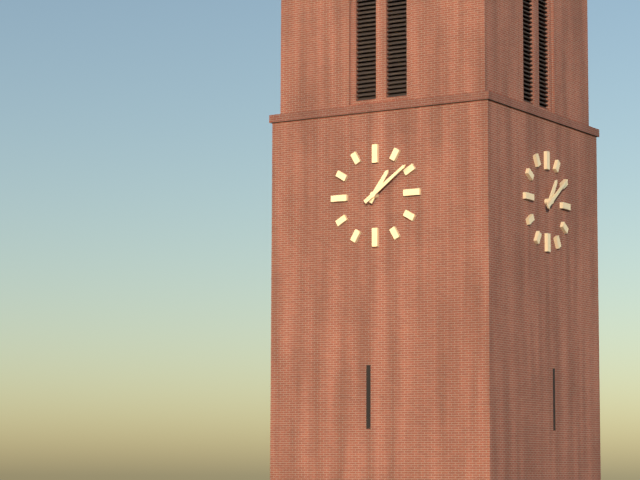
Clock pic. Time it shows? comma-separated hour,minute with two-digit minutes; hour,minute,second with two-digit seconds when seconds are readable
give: 1,09
